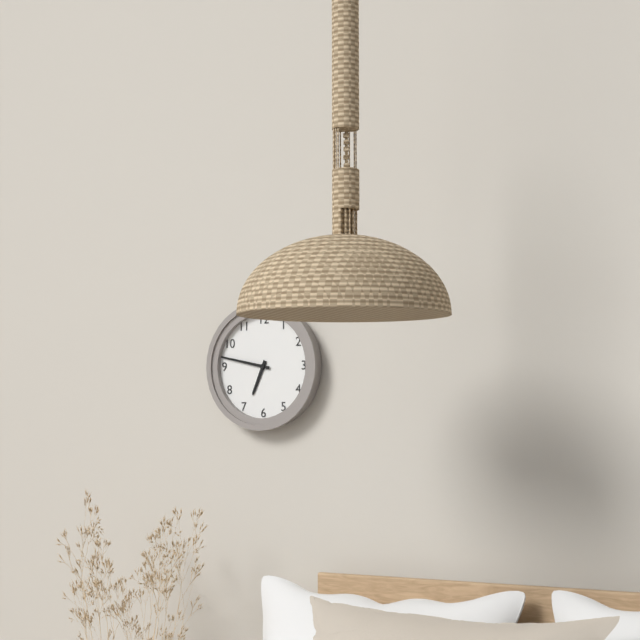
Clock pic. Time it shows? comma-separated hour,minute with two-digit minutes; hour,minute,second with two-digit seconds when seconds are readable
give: 6,47
